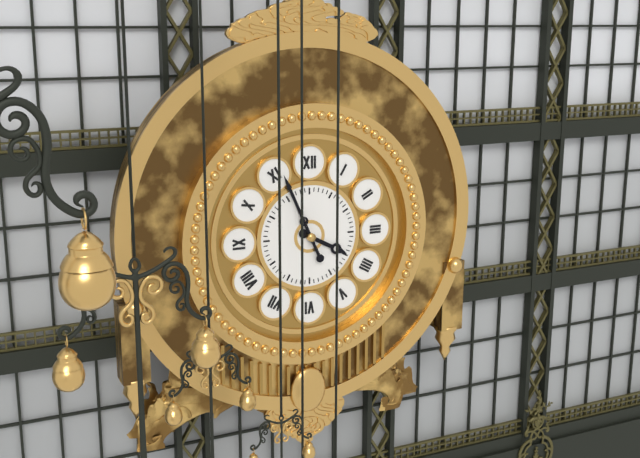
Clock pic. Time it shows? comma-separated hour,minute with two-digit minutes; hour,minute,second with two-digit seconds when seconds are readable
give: 3,56
